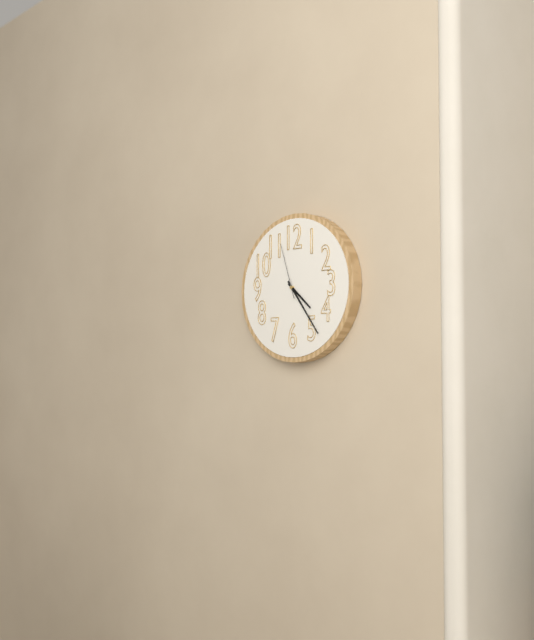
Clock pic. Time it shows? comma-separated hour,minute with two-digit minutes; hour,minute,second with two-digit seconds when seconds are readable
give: 4,24,57
